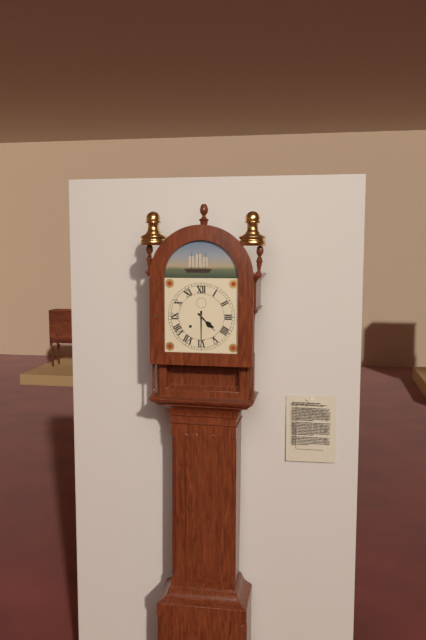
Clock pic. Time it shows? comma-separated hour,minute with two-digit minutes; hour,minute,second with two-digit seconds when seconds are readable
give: 4,30
